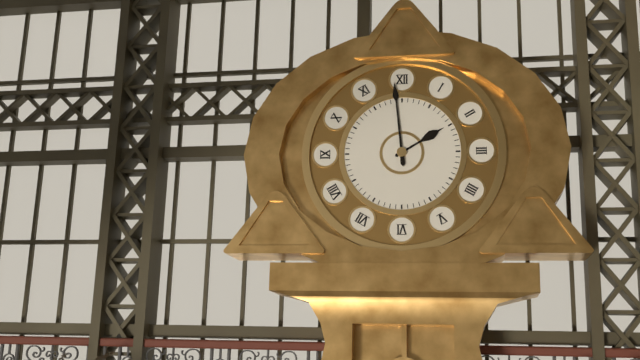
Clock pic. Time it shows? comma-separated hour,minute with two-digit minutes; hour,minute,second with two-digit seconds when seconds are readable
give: 1,59
